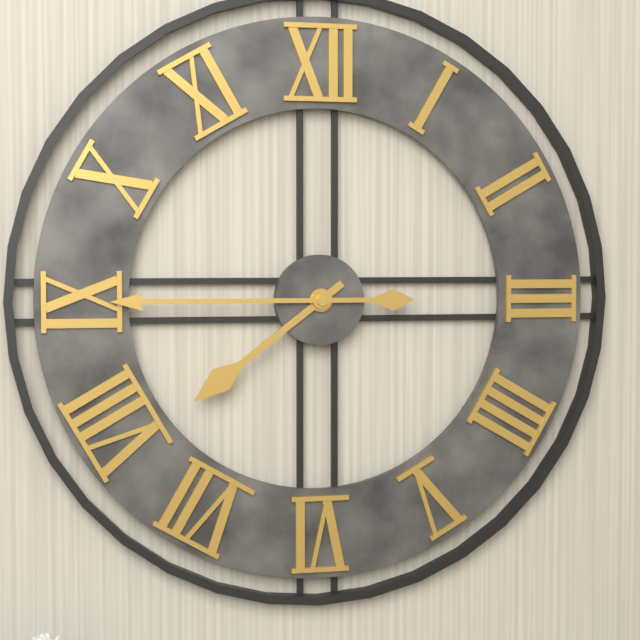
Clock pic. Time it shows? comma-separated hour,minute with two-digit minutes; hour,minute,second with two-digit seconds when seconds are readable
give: 7,45
